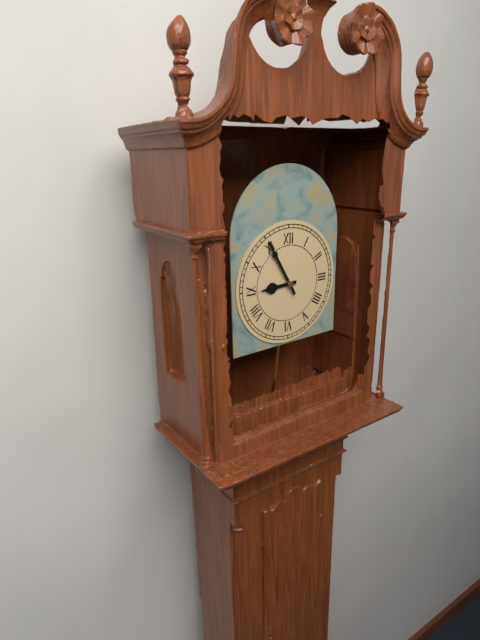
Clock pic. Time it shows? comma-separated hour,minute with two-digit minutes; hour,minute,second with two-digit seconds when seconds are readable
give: 8,55
